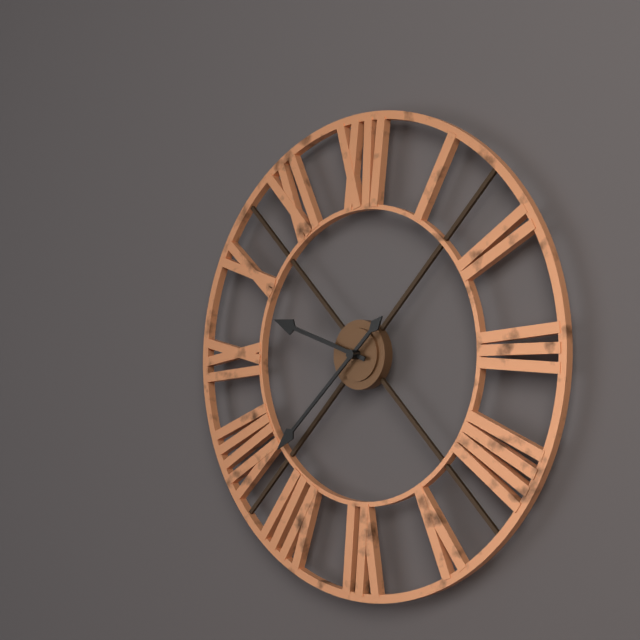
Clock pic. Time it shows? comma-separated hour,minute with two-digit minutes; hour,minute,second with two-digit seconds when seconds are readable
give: 9,38
